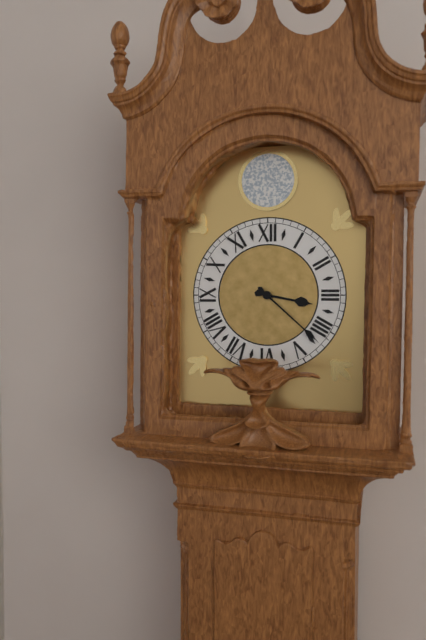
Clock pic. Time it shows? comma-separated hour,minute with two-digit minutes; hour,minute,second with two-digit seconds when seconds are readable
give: 3,22
